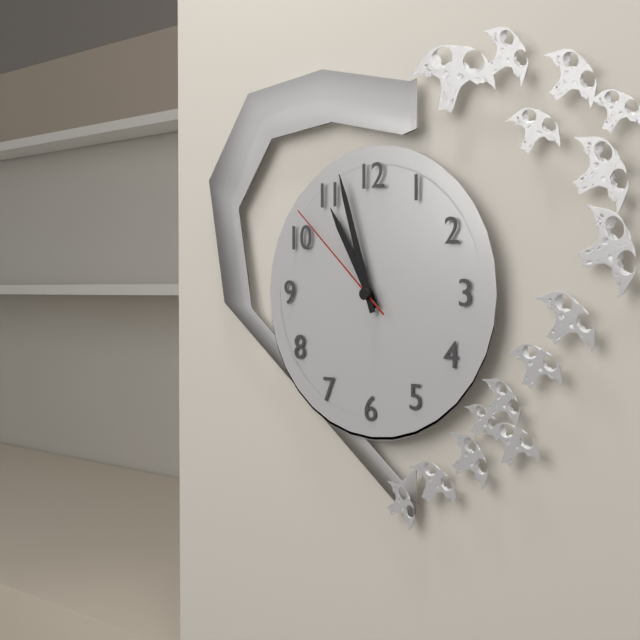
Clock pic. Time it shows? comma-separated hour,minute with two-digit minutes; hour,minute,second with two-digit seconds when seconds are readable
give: 10,57,52
